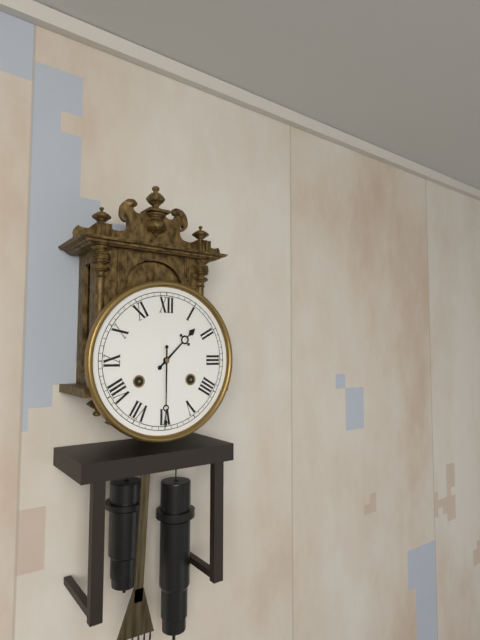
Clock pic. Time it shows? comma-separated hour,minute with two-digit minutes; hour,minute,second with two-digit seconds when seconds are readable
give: 1,30
